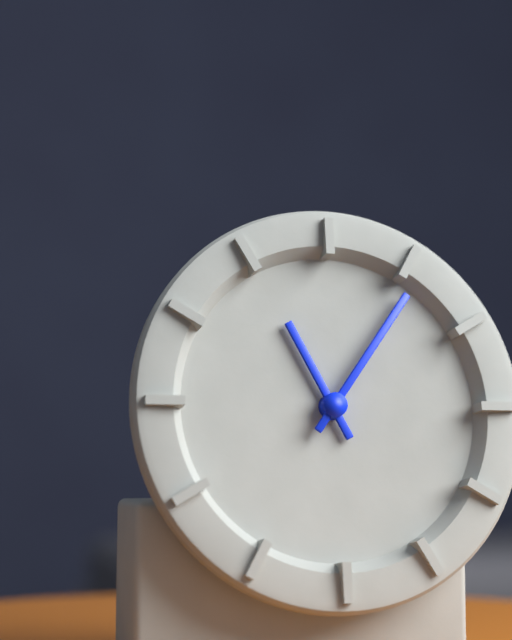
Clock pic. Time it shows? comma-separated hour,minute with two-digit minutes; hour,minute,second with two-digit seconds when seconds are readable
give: 11,06
